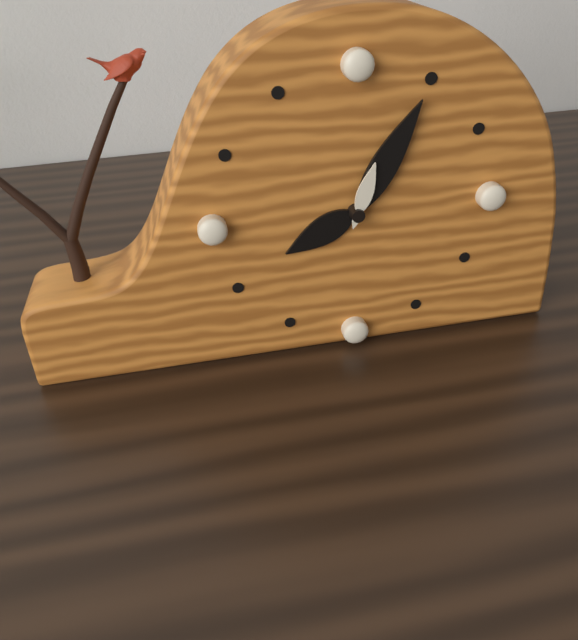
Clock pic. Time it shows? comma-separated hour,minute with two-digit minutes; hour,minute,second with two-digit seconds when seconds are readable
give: 8,05,03
